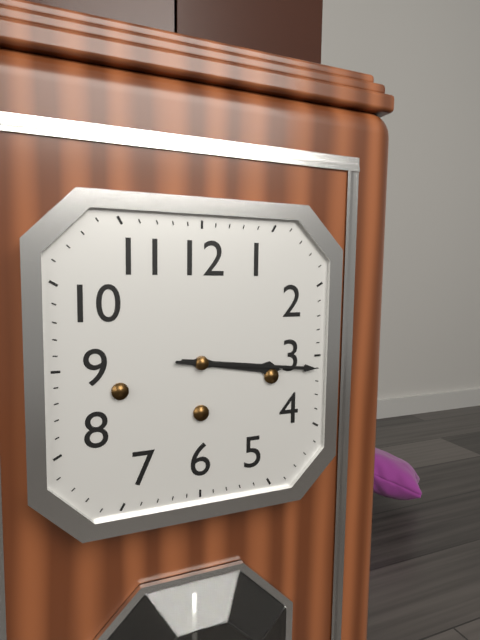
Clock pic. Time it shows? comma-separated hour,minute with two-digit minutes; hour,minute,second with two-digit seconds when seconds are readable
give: 3,16
